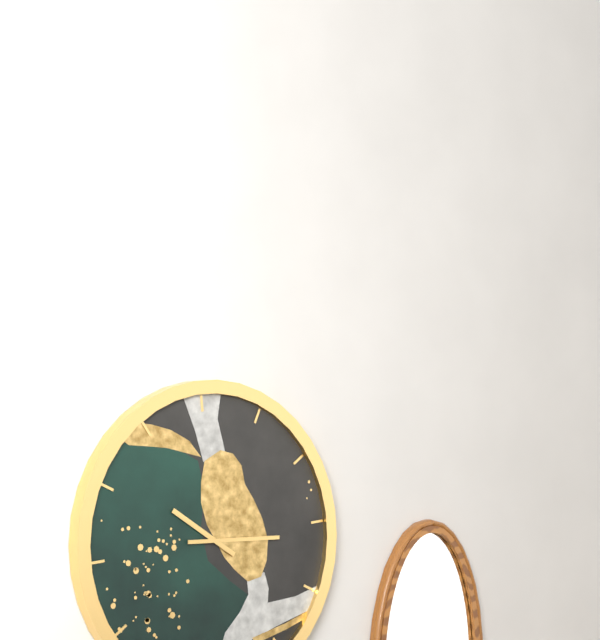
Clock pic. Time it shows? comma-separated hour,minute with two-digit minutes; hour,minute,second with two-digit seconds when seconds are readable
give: 10,16
